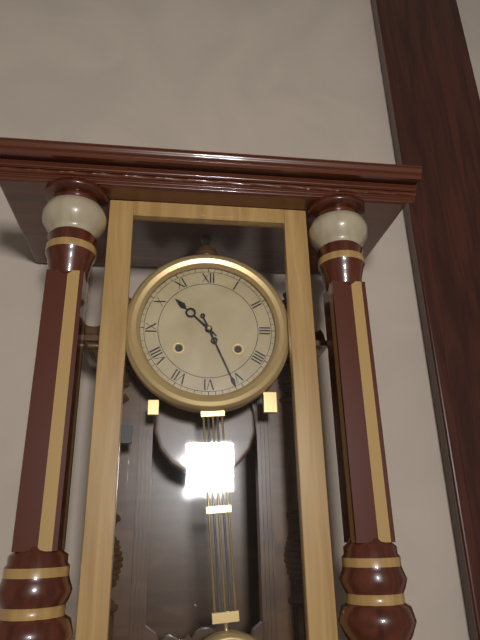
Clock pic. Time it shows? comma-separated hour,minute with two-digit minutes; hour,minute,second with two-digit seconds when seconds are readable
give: 10,26
